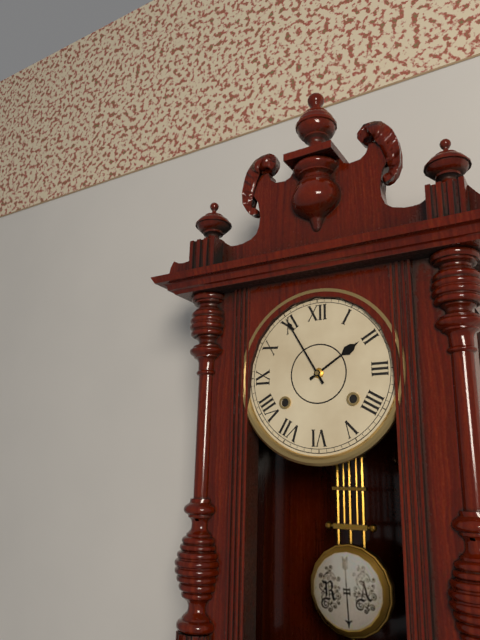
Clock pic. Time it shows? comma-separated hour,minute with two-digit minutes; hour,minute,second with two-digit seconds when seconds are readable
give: 1,55
